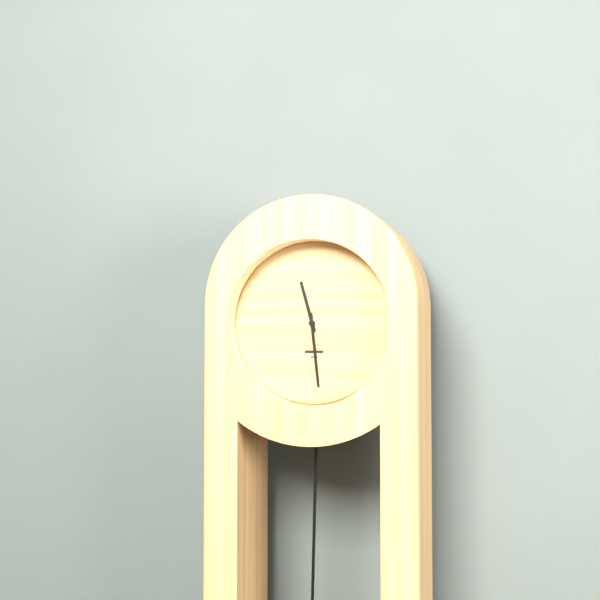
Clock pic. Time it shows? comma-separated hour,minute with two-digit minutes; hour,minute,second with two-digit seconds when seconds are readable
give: 11,29
